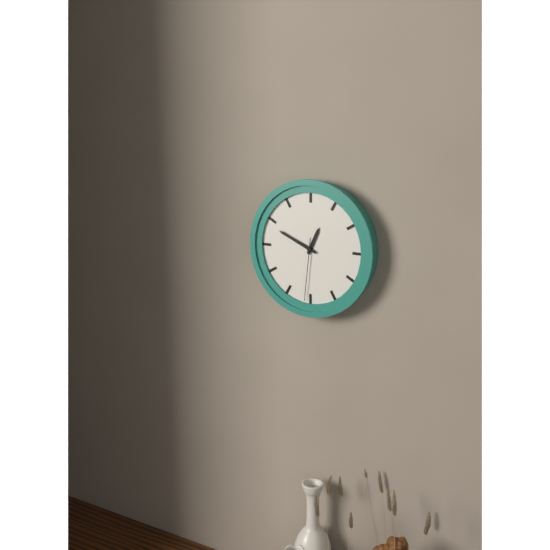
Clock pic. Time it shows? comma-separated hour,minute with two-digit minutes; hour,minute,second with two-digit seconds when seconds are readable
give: 12,49,31
